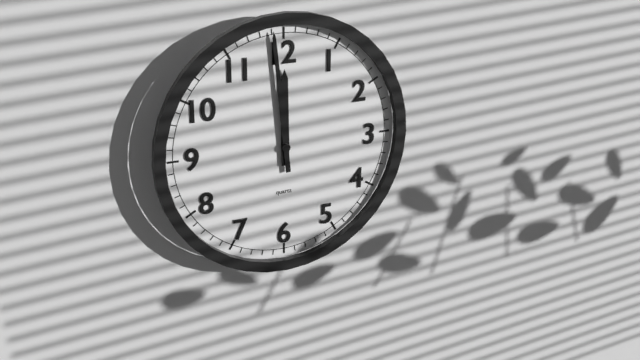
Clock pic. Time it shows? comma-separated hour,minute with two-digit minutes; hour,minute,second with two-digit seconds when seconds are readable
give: 11,59
